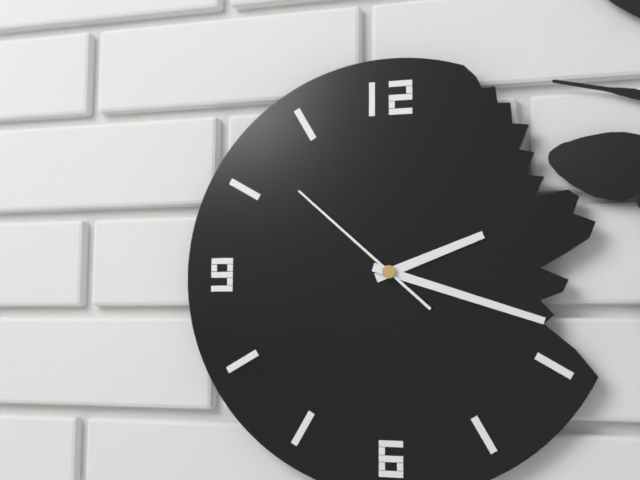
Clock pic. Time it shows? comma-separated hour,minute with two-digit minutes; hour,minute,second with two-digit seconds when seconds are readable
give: 2,18,52
